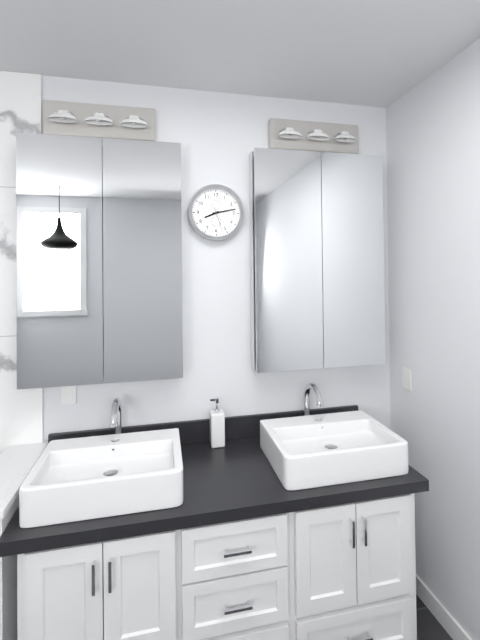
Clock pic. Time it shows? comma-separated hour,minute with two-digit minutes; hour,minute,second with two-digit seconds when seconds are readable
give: 8,13
